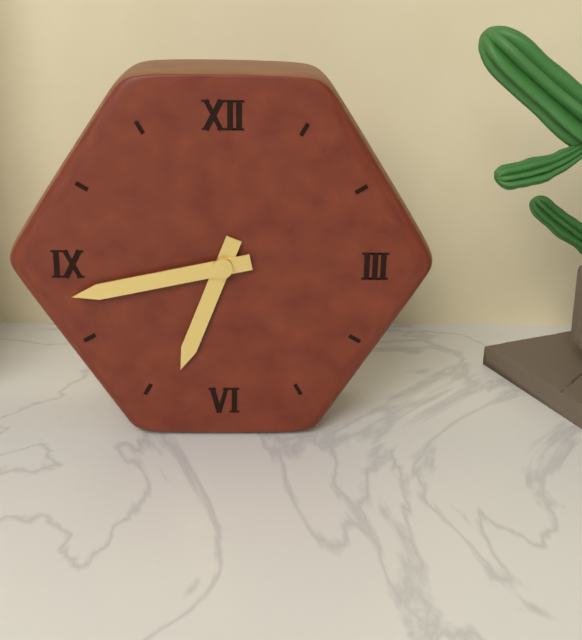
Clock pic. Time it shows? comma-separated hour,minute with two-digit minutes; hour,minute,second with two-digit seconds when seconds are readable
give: 6,43
